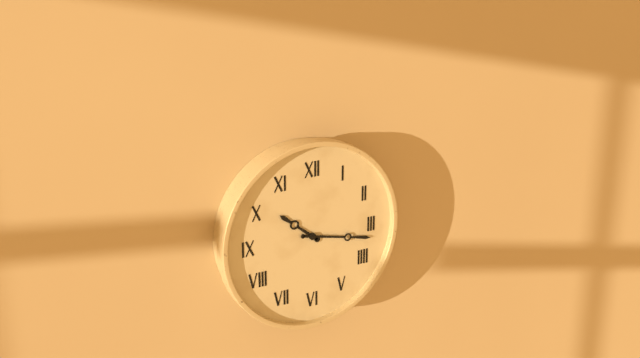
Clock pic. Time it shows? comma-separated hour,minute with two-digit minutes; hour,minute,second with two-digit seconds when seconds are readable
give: 10,17
